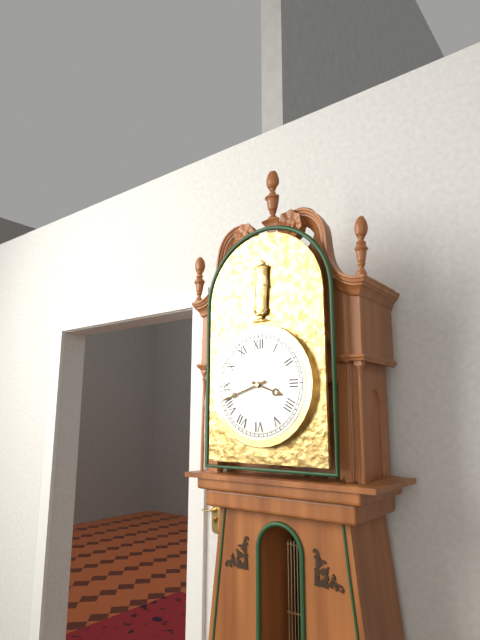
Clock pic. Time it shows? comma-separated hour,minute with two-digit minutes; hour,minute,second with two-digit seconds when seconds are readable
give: 3,42
